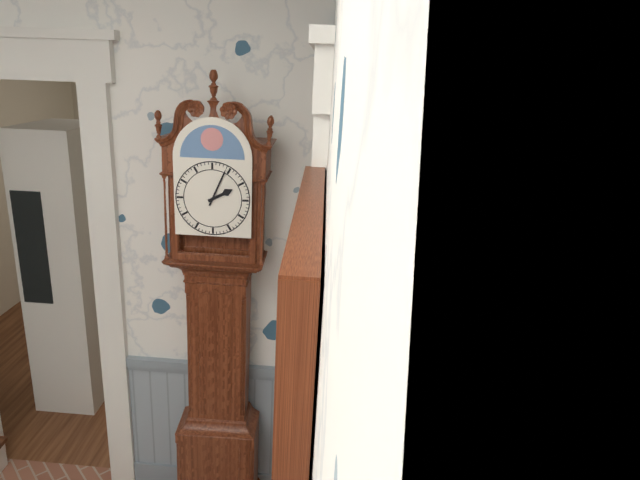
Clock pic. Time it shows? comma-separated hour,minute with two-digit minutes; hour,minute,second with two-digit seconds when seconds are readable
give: 2,04
